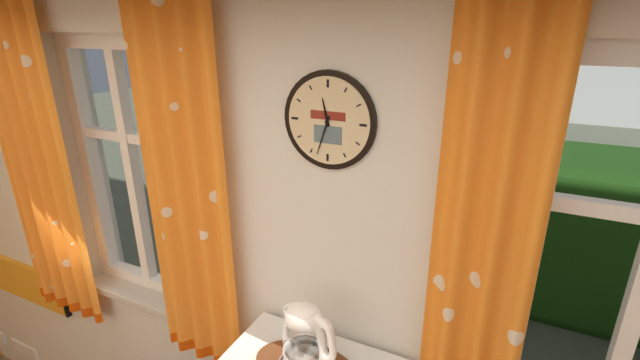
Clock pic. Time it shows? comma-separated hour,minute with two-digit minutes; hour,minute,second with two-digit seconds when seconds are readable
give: 11,33
